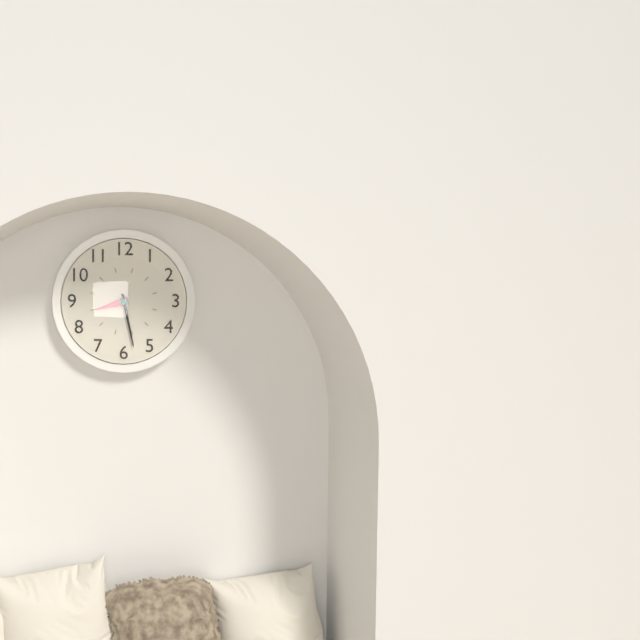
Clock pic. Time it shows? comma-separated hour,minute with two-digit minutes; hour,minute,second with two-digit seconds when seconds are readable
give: 8,28
